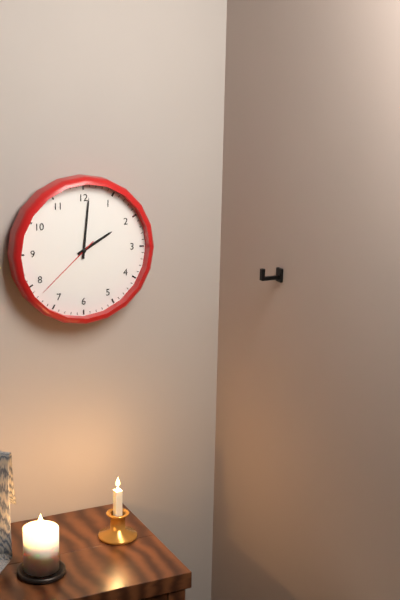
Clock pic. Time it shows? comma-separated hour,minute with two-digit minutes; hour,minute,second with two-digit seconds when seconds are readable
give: 2,01,38
